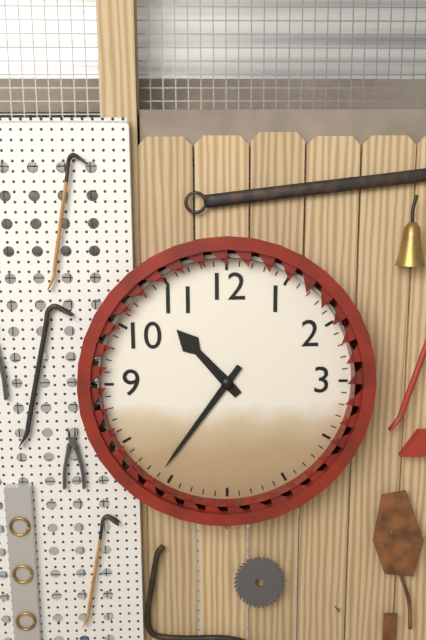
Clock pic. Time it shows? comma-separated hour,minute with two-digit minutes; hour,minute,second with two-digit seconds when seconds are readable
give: 10,36
